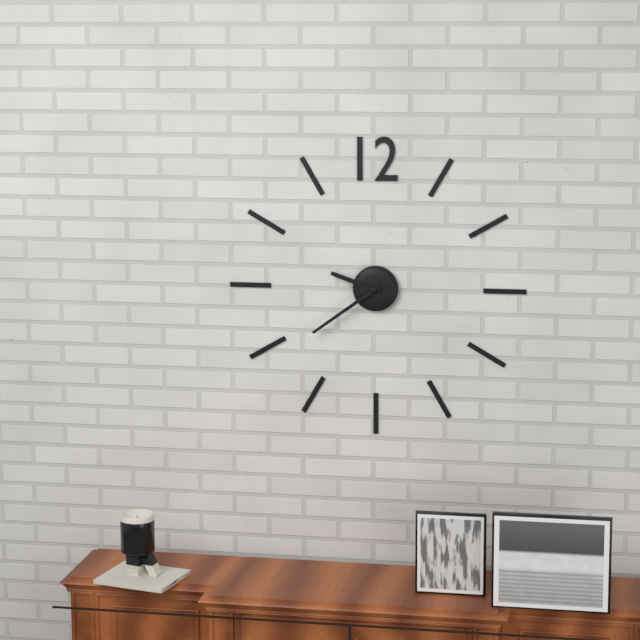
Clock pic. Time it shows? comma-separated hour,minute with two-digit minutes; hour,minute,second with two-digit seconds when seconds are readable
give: 9,39
